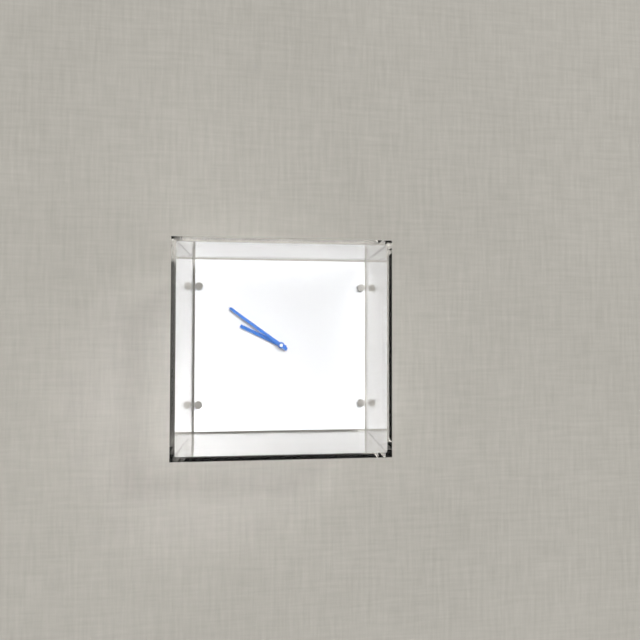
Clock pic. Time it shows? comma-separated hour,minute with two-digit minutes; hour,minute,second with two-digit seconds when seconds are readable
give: 9,51,39
